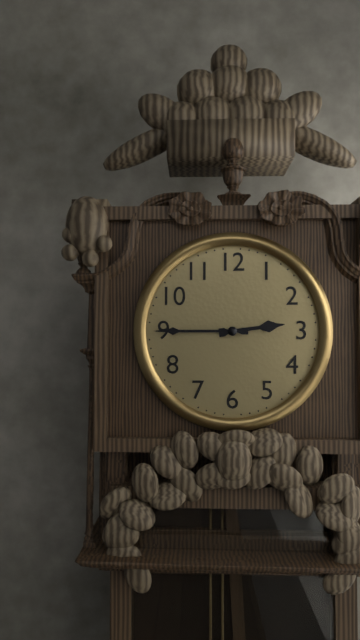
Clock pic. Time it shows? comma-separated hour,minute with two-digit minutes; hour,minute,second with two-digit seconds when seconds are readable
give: 2,45
